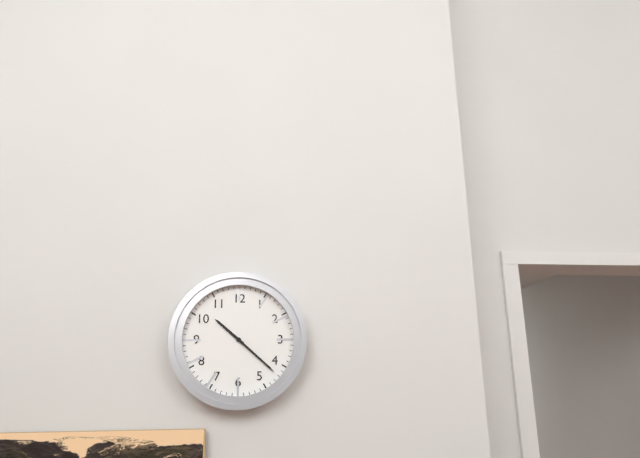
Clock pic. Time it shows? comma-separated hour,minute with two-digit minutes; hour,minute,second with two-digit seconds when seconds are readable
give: 10,22
